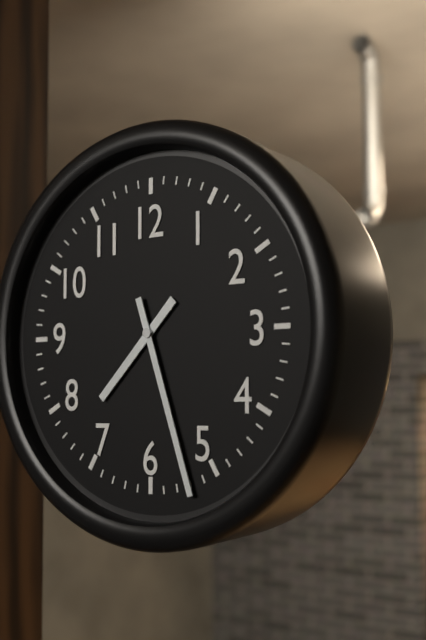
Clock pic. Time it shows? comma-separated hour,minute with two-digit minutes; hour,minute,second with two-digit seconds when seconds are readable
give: 7,27
